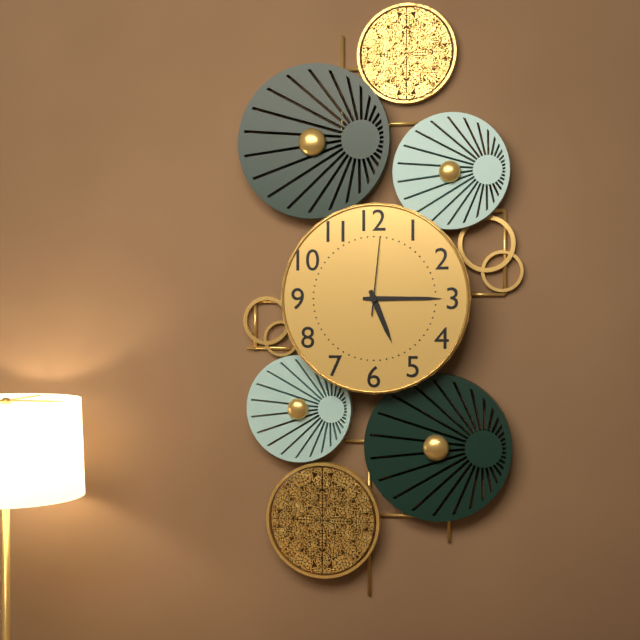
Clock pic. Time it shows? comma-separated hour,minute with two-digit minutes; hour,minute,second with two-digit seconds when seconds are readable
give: 5,15,01
